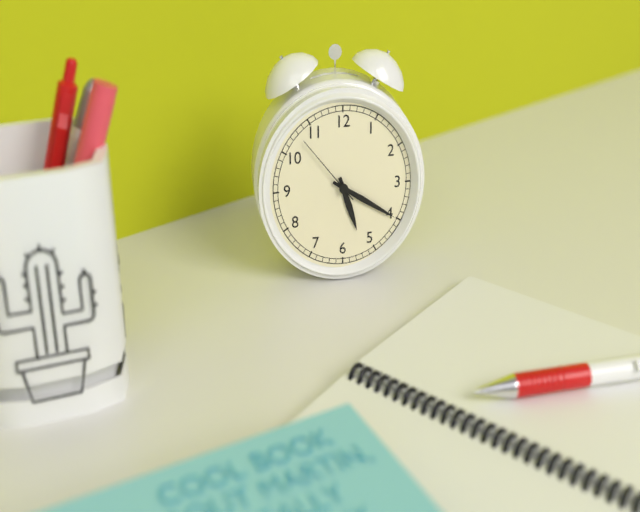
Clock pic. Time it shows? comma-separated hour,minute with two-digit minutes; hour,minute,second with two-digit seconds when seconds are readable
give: 5,20,53
